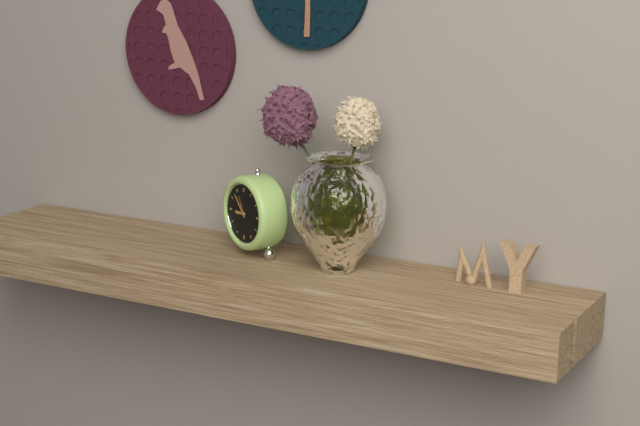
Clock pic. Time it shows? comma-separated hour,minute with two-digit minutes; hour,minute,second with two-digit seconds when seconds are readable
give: 8,53
